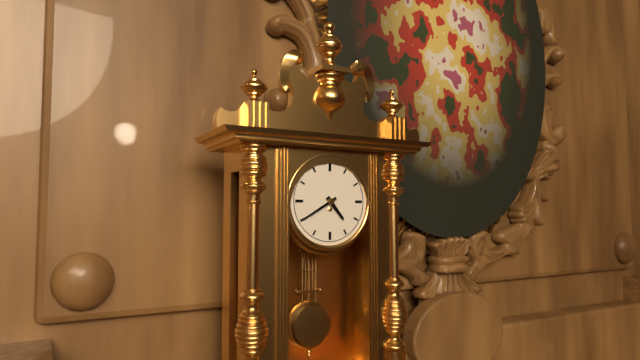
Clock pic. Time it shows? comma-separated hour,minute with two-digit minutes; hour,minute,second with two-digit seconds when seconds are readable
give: 4,40
